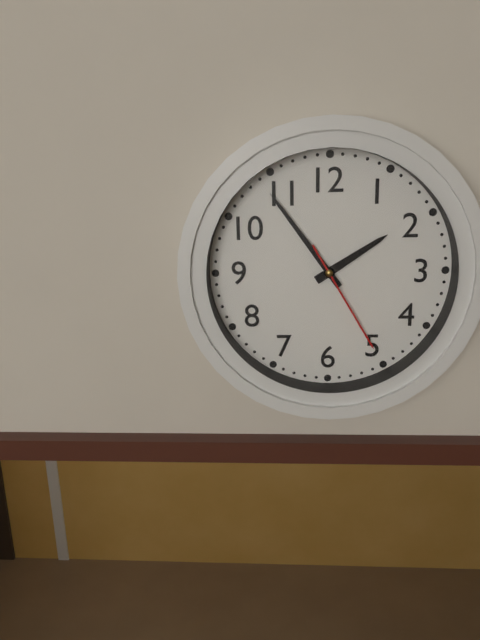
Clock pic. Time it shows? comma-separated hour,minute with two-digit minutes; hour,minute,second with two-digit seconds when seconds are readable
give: 1,54,25
